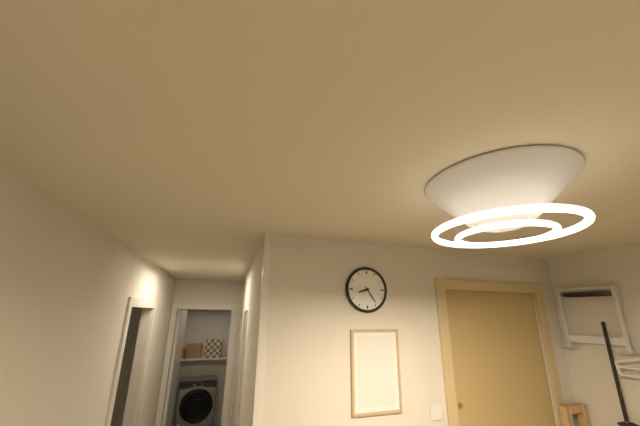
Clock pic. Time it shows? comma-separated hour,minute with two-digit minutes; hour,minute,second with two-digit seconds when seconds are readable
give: 8,24
